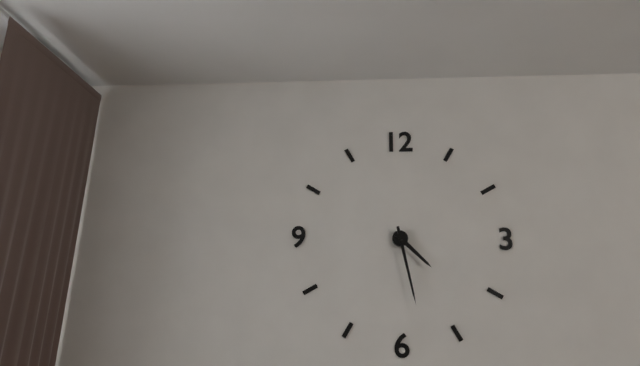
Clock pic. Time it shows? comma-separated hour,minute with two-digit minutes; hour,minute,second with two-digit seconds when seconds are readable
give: 4,28
